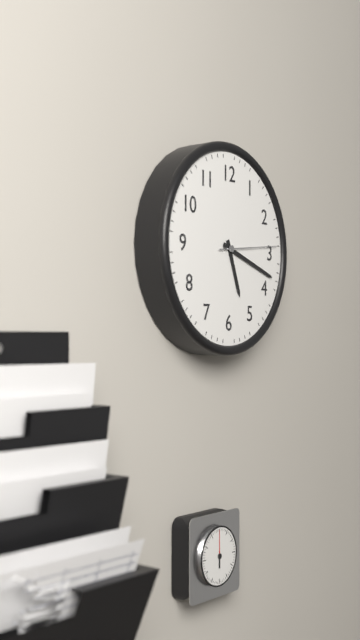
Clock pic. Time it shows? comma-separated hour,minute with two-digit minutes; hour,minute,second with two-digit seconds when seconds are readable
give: 5,18,14
